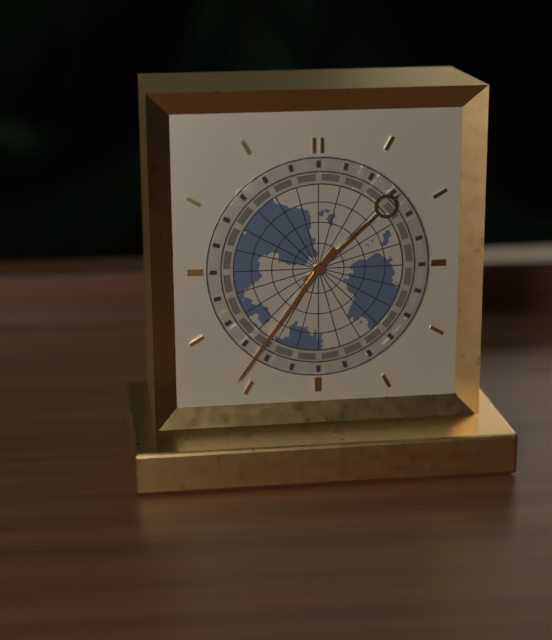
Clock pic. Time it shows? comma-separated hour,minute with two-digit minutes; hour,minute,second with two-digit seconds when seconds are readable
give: 1,36
